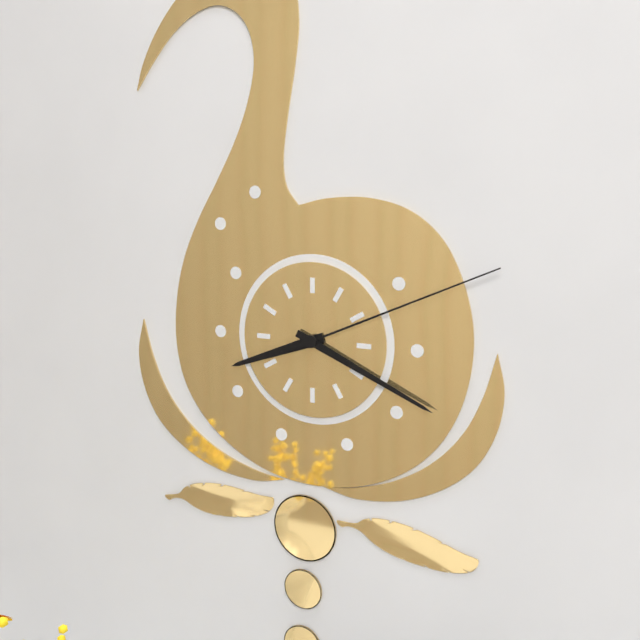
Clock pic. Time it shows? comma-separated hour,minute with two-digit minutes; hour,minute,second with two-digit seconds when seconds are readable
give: 8,19,11
